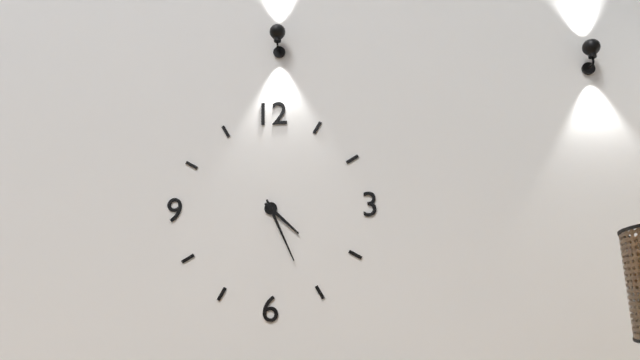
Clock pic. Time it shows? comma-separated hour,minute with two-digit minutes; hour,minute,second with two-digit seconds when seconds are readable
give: 4,26
